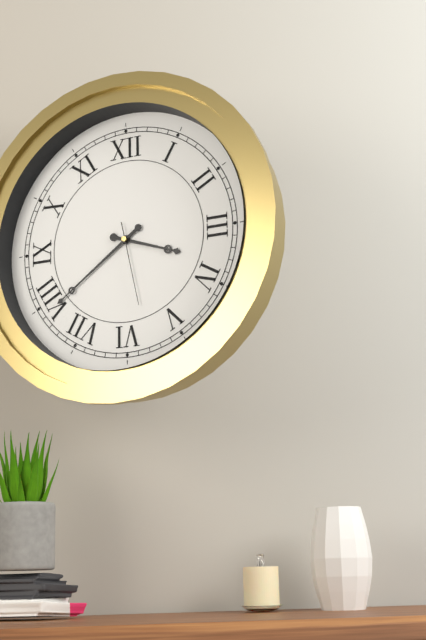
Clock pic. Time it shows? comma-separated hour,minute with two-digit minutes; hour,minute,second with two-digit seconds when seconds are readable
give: 3,39,28
